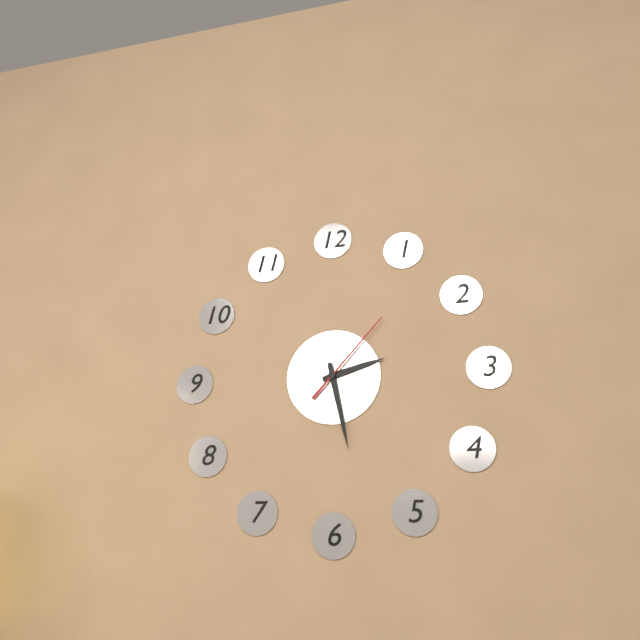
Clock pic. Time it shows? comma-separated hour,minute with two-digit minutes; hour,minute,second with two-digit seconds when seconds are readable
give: 2,28,07
